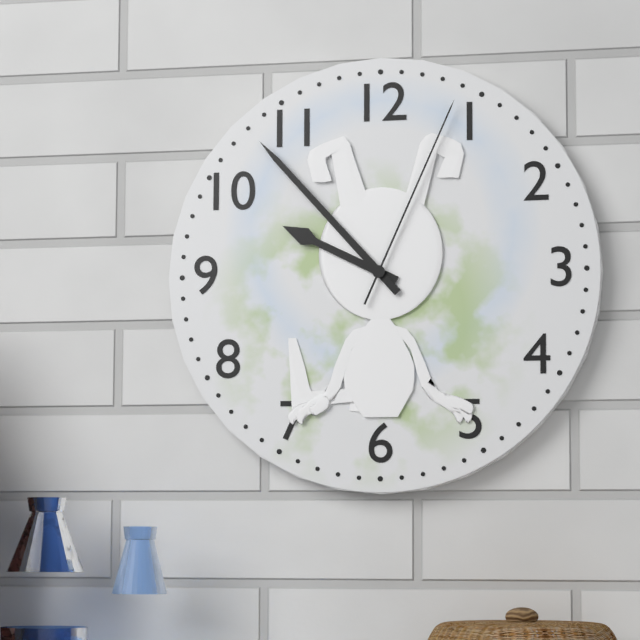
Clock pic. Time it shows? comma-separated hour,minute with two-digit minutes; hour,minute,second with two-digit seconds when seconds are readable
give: 9,53,04
